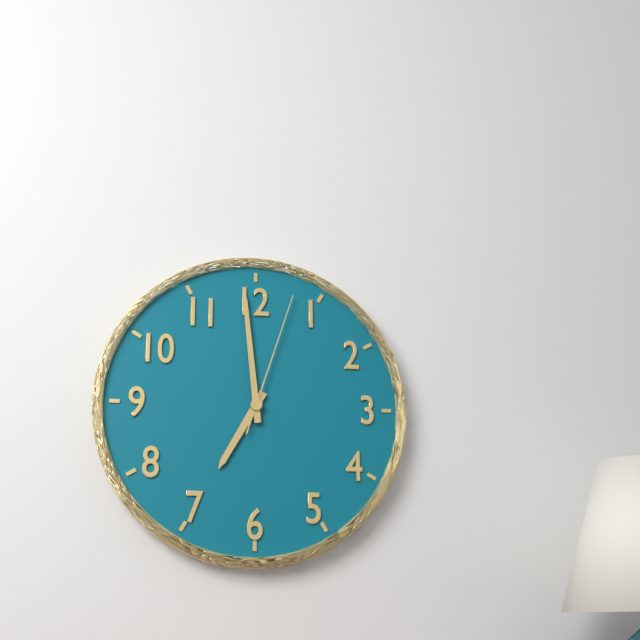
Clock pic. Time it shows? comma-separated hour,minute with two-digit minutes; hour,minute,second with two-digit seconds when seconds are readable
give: 6,59,03
